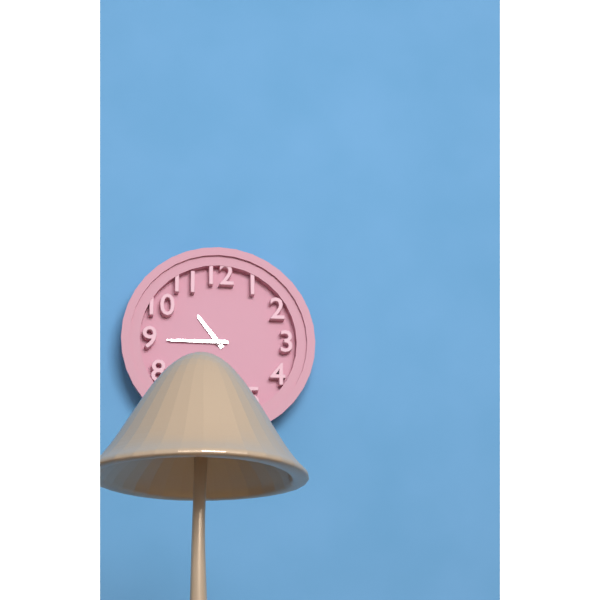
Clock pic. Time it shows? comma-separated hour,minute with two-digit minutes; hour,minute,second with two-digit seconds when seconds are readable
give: 10,45
